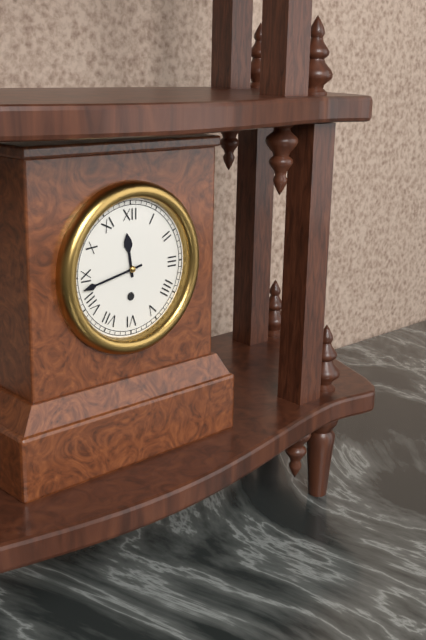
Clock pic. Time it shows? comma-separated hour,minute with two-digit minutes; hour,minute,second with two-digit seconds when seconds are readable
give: 11,43
